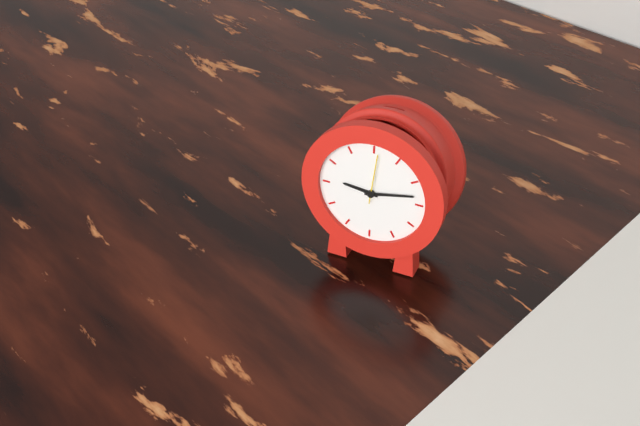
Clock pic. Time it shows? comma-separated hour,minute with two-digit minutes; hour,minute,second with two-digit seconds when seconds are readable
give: 9,13,01
